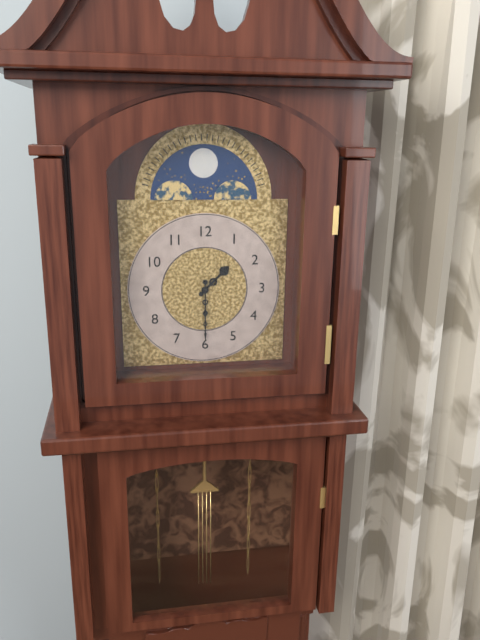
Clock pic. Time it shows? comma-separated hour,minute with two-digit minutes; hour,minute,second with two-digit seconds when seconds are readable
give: 1,30
